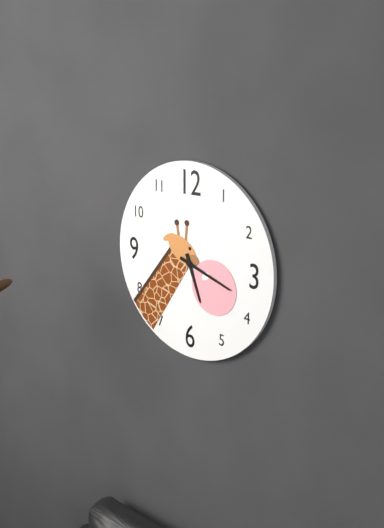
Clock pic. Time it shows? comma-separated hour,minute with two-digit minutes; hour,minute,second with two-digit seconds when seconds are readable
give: 5,18
